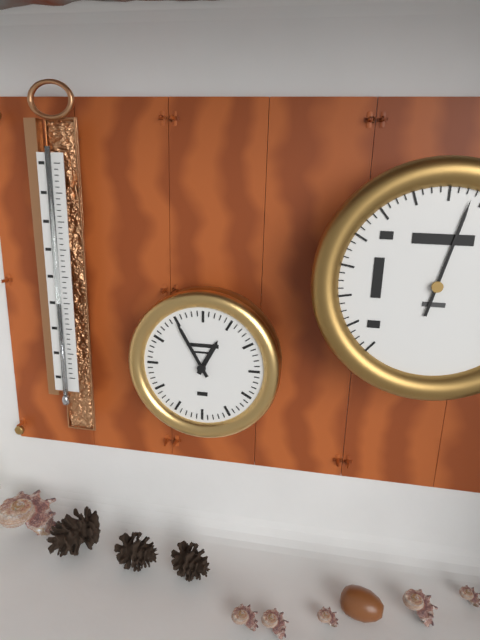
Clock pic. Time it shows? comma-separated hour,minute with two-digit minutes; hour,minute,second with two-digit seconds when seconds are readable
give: 12,55
